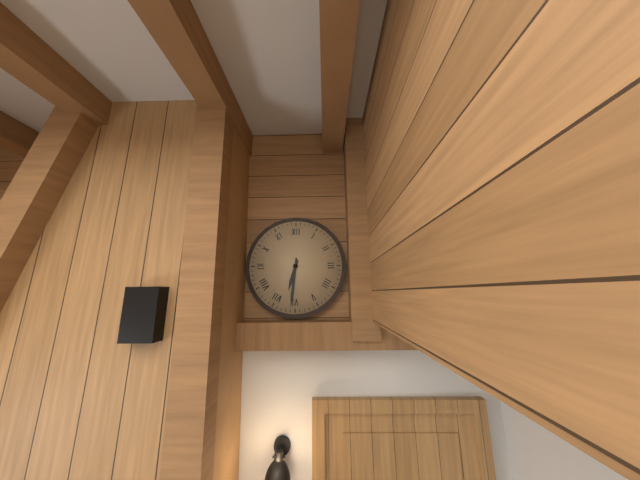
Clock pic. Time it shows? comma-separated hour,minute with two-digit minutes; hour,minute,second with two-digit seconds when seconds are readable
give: 6,31
